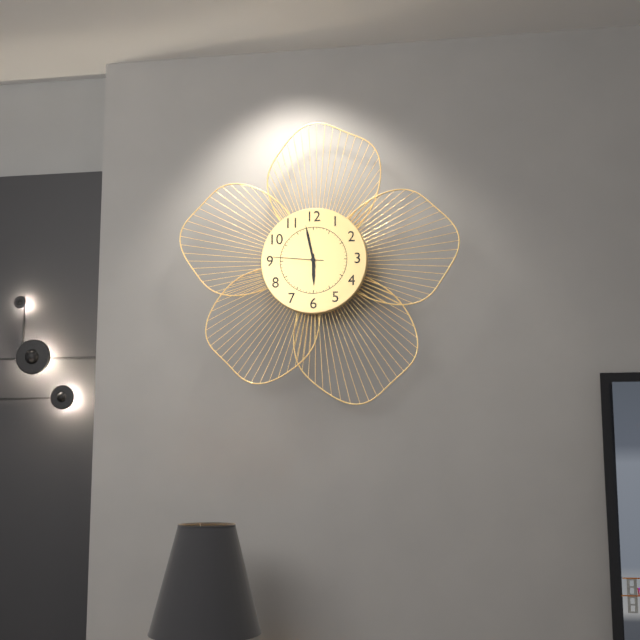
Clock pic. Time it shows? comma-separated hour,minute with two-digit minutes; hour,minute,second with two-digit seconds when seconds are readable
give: 5,58
